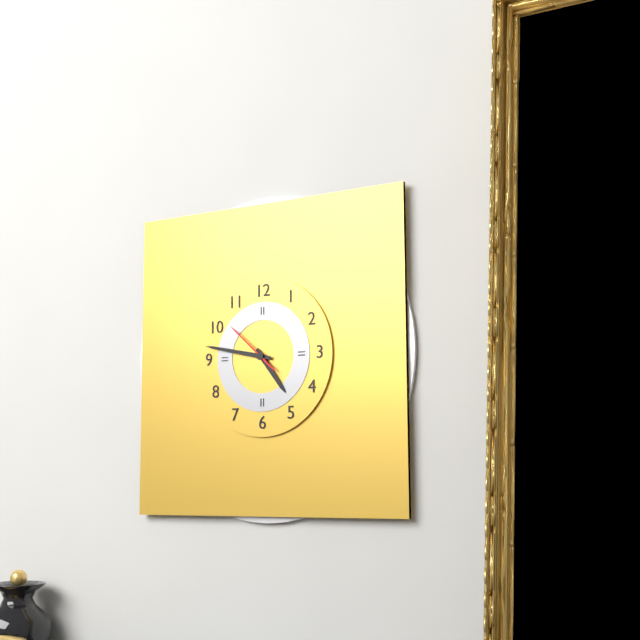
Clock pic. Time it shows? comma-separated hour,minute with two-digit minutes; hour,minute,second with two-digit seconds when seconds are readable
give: 4,47,52
